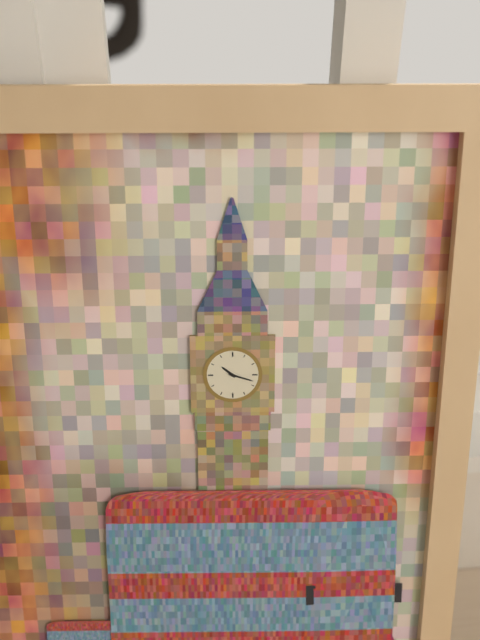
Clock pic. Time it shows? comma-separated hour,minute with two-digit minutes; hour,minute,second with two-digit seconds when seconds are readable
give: 10,18
